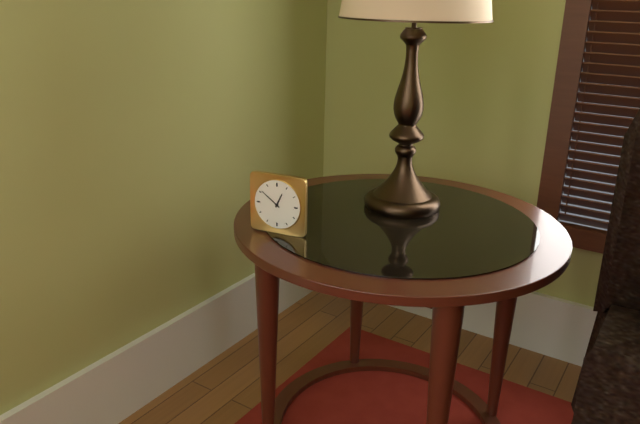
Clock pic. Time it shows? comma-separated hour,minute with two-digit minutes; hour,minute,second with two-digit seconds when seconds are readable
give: 12,51
